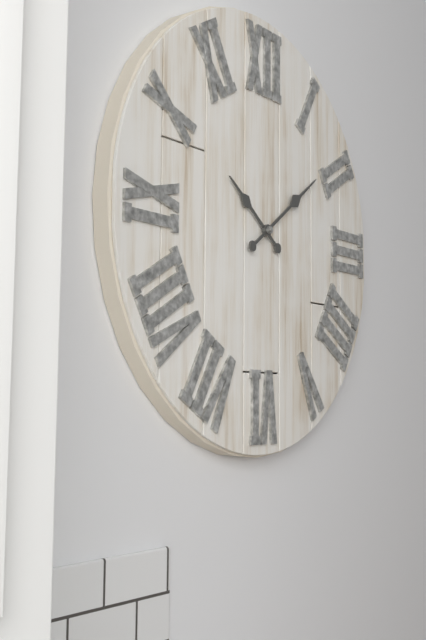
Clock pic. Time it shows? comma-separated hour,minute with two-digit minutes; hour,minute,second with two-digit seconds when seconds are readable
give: 10,09
